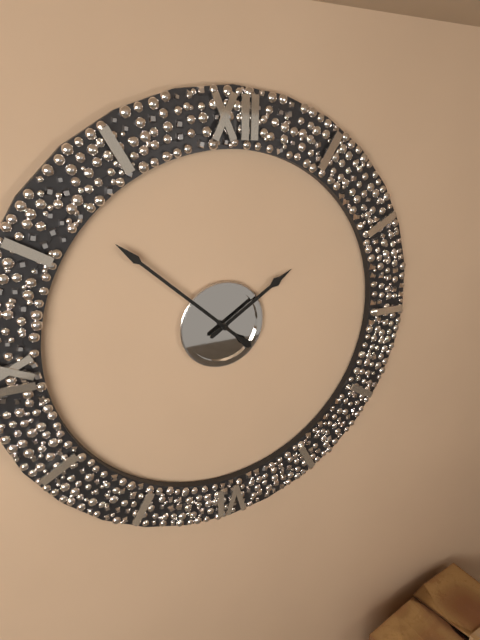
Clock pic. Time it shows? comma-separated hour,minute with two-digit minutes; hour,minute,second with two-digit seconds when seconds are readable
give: 1,52
